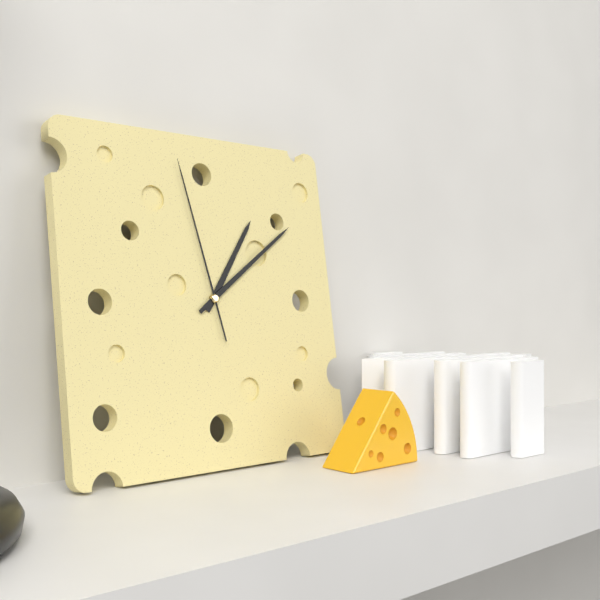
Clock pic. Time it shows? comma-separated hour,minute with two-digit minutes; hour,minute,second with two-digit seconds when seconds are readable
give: 1,09,58
